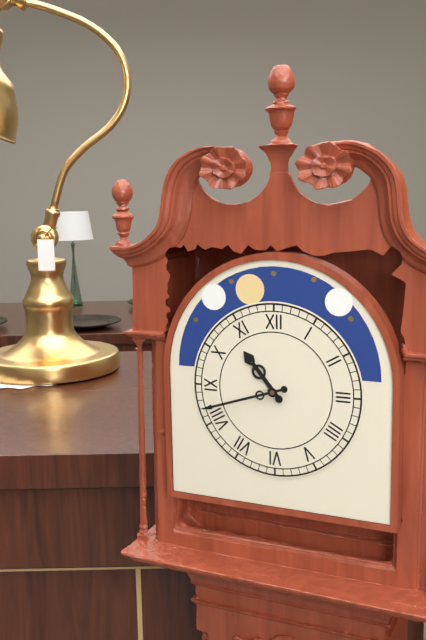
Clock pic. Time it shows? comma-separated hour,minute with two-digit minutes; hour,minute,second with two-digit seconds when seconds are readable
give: 10,42
